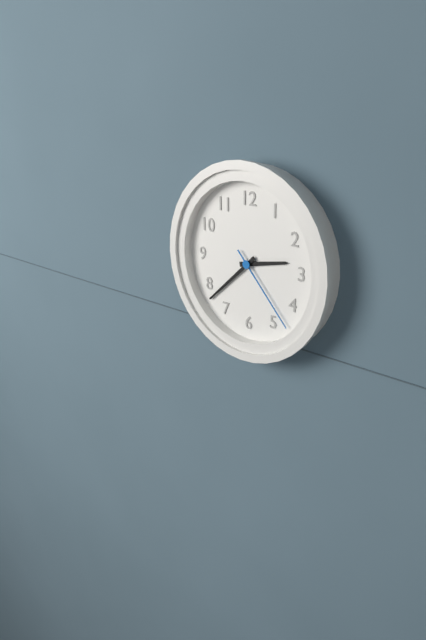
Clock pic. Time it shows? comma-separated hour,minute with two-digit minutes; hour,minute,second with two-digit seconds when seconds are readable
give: 2,38,23
